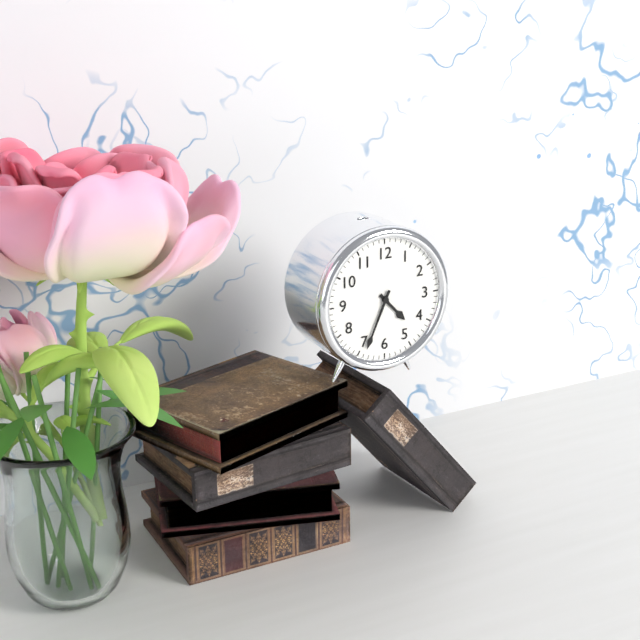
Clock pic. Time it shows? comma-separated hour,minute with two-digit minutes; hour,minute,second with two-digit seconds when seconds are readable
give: 4,34
